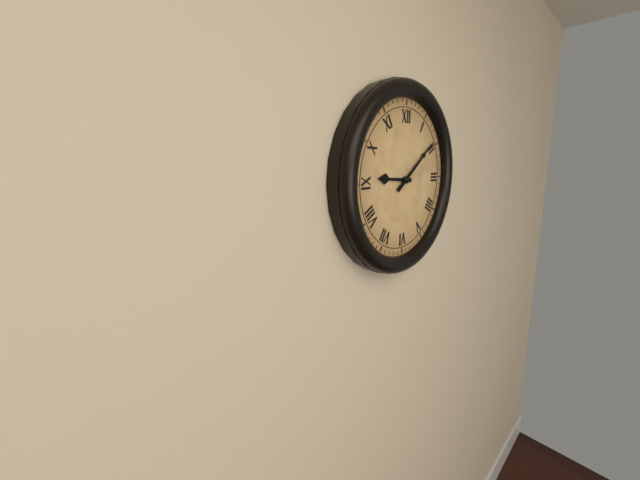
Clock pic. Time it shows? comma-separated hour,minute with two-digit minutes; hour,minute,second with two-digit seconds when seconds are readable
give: 9,09
